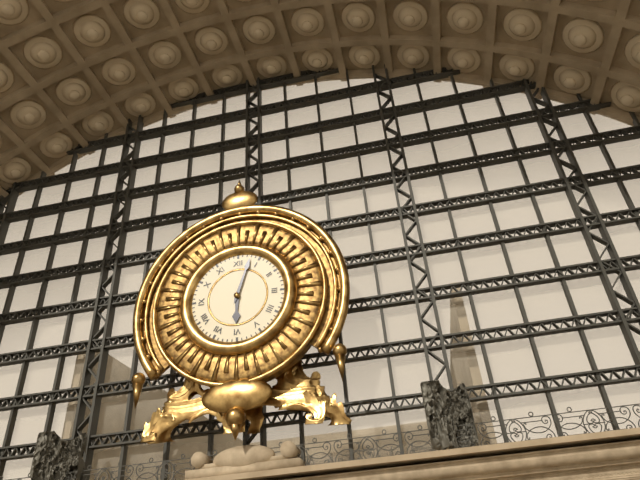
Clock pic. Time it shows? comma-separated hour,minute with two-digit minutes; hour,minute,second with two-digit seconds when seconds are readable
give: 6,03
